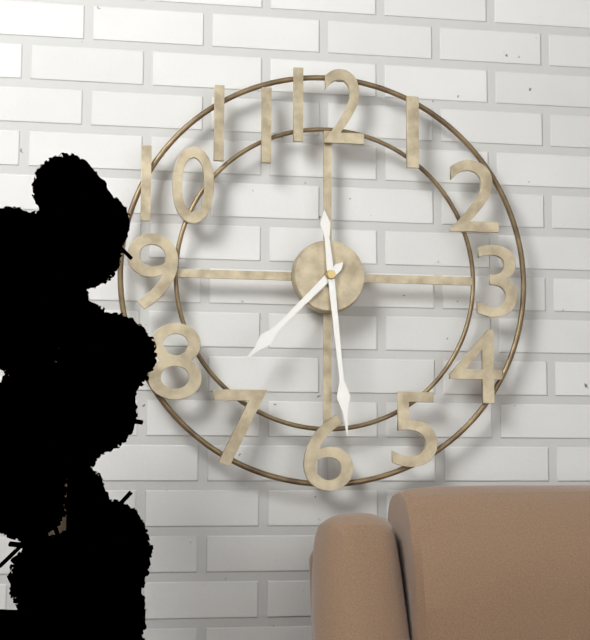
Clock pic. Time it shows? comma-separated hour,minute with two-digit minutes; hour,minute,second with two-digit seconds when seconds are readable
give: 7,29
